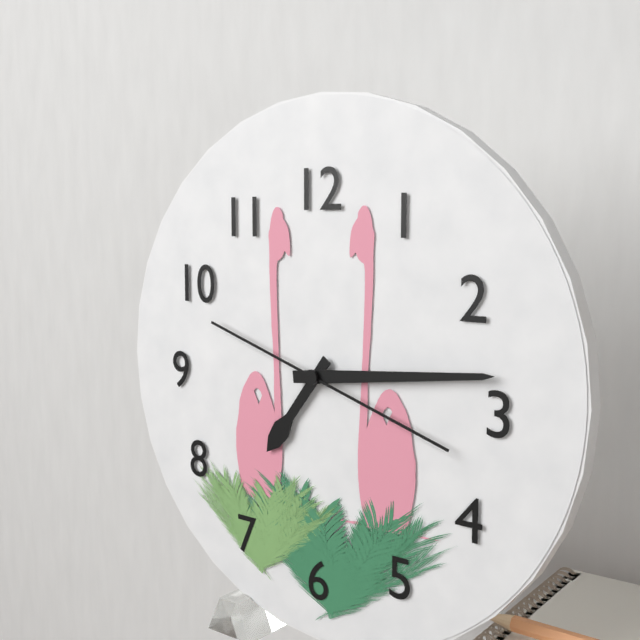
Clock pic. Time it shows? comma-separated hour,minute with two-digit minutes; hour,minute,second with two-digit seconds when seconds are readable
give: 7,14,18
